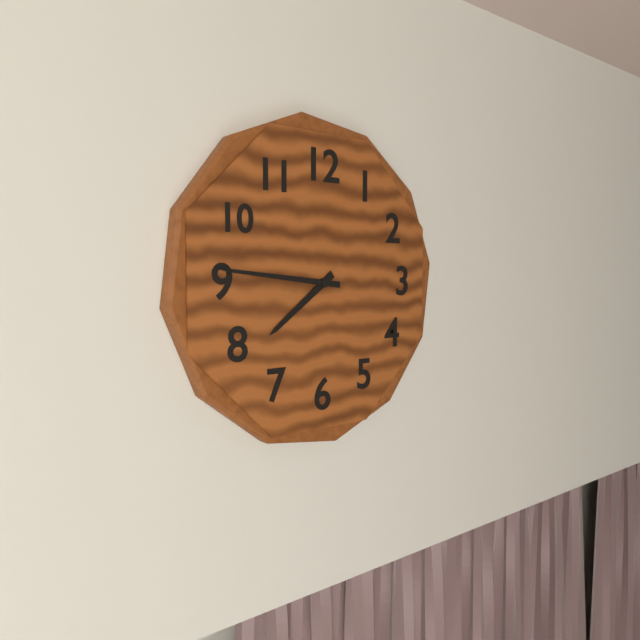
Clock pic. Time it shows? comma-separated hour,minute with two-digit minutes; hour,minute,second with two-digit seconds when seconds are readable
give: 7,46
